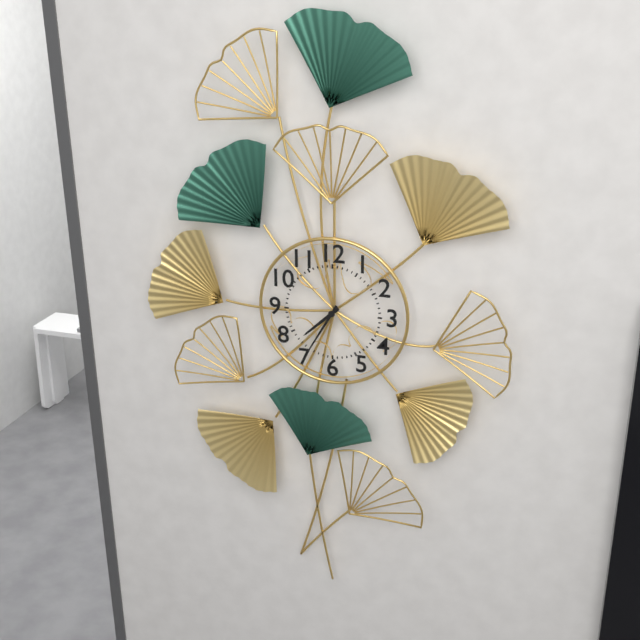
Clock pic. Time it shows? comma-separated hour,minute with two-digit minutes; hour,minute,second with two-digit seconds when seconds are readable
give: 7,35
